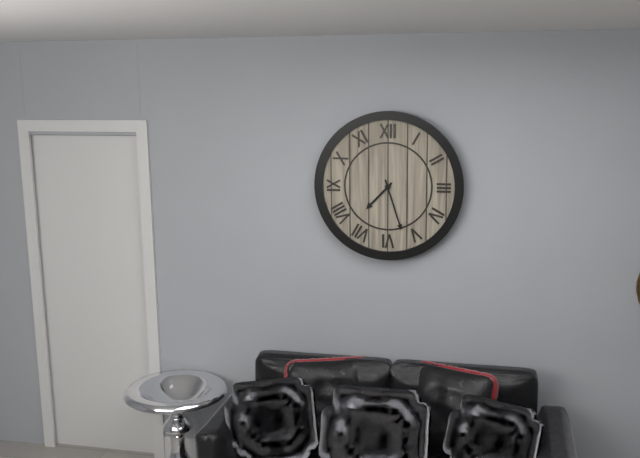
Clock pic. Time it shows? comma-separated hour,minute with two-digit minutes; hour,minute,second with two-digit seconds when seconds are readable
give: 7,27
